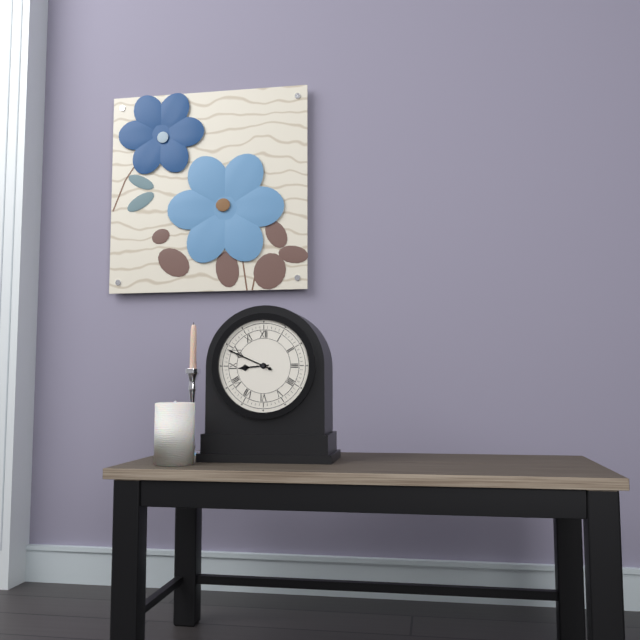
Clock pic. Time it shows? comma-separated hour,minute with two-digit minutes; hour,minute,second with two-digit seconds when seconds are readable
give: 8,49
